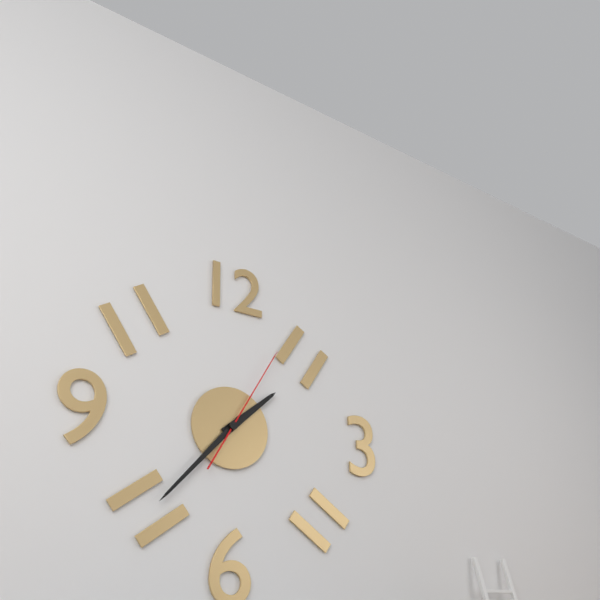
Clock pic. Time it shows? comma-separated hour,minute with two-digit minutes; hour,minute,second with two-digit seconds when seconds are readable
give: 1,37,05
